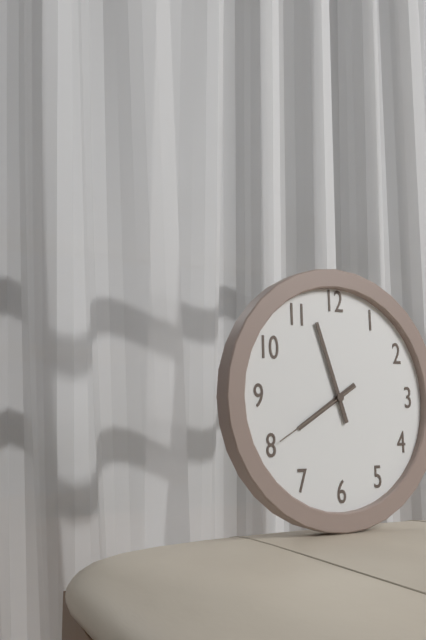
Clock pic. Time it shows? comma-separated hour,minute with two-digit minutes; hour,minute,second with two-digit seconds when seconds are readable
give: 7,57,40
